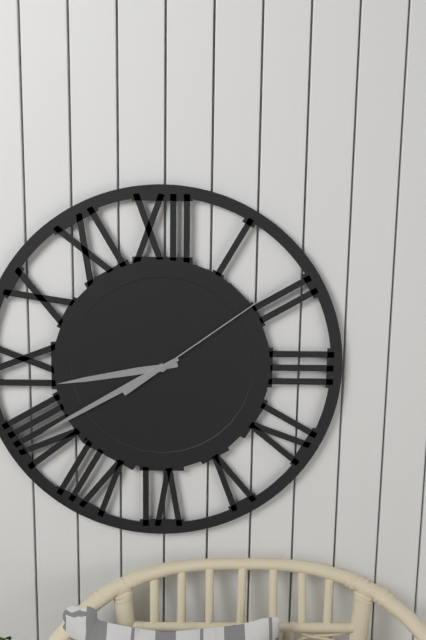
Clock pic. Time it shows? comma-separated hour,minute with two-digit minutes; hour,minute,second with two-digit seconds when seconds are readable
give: 8,40,09
